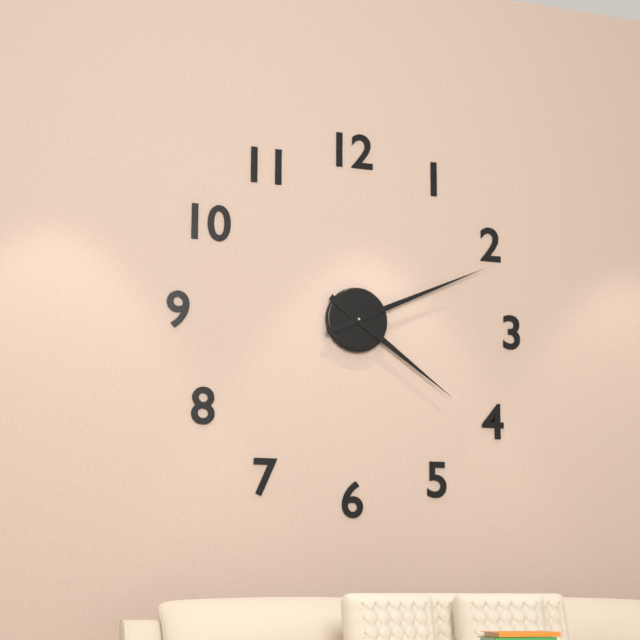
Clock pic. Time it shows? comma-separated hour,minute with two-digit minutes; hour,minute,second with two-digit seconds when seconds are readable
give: 4,11
